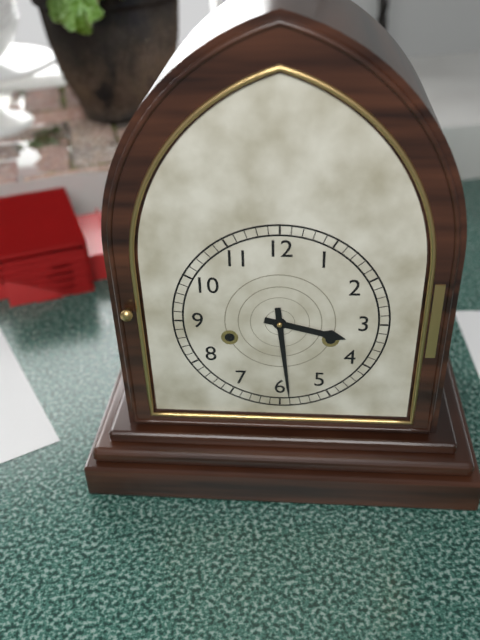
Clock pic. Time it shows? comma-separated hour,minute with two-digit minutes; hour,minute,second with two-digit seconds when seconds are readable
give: 3,29
